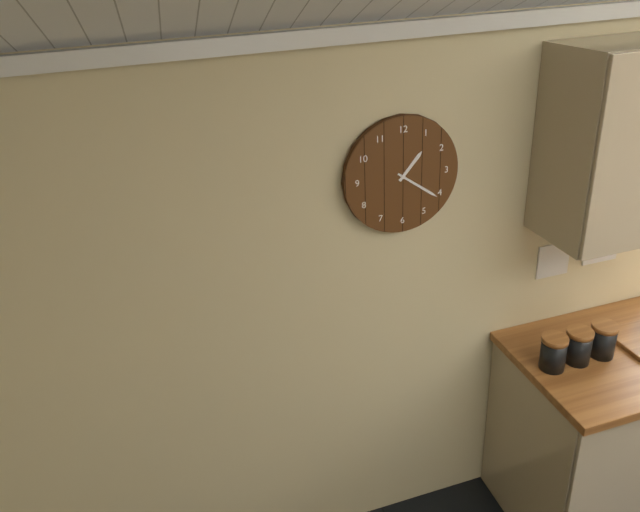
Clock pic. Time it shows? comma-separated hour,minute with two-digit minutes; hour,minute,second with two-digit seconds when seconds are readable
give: 1,21
